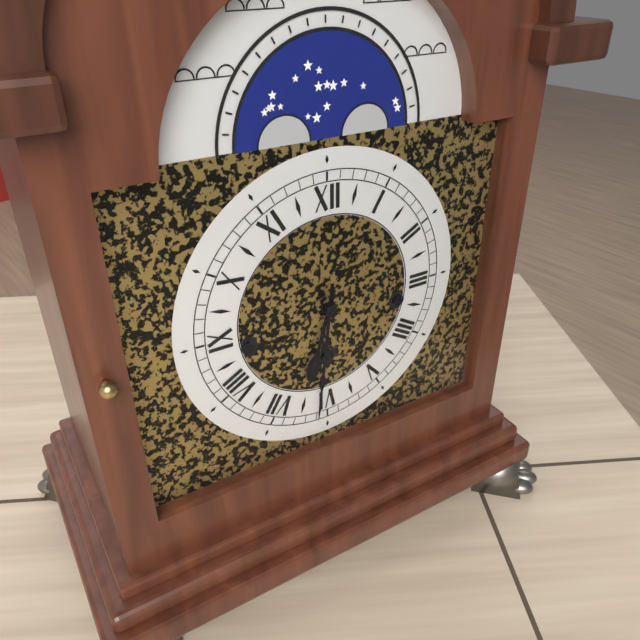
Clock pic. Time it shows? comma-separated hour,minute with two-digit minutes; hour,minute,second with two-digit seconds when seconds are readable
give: 6,31
